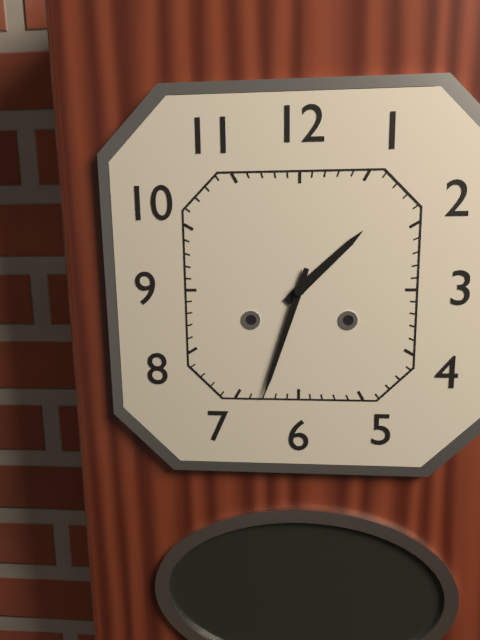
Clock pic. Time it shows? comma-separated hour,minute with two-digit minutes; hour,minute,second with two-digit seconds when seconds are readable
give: 1,33
